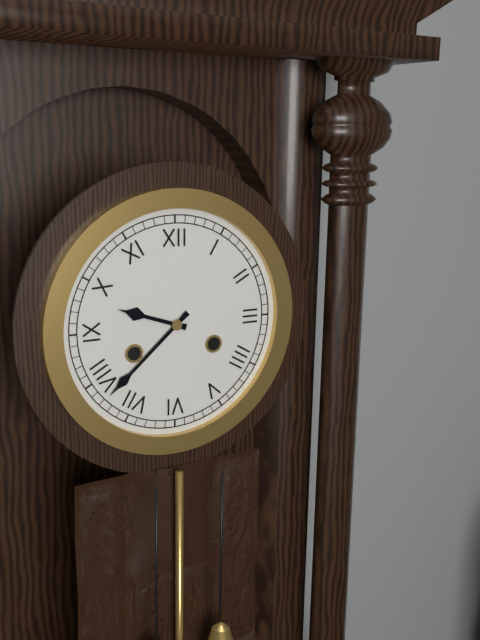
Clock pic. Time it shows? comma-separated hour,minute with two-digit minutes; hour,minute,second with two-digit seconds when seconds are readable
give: 9,38
